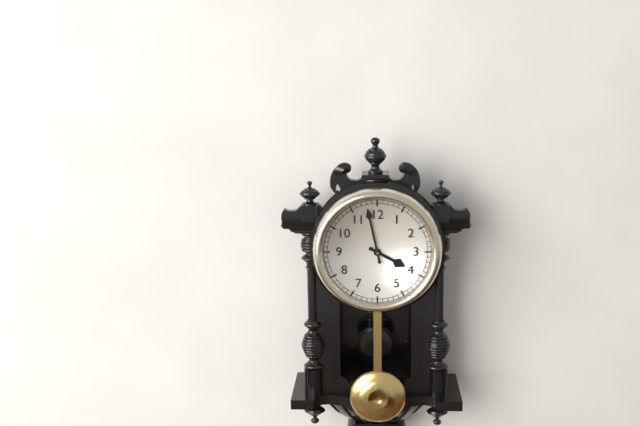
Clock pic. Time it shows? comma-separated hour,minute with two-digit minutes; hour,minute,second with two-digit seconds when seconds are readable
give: 3,58
